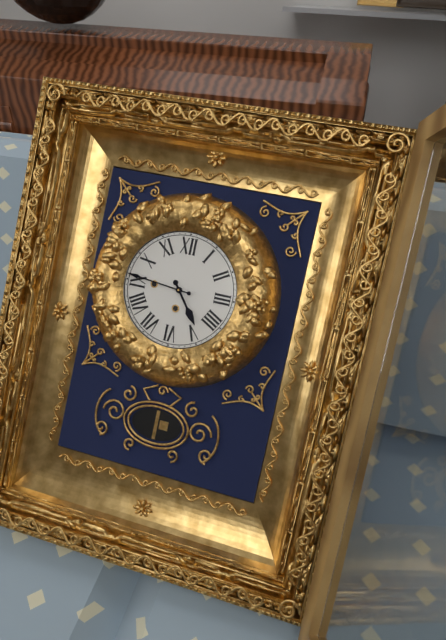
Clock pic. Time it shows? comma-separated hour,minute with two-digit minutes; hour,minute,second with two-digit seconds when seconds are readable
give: 4,46
